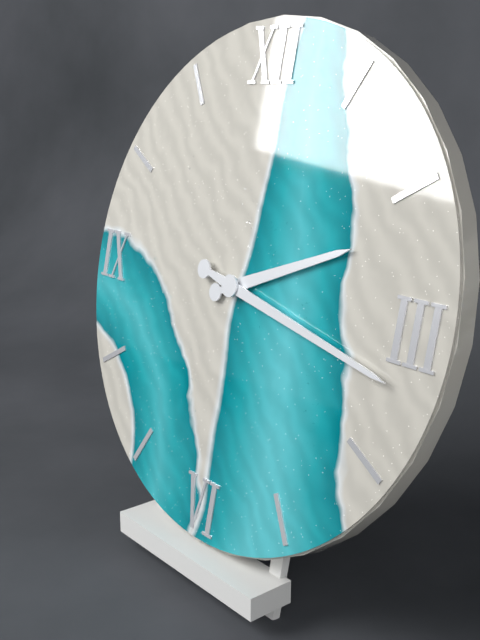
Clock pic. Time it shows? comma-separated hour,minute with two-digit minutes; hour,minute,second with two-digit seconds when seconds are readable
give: 2,17
